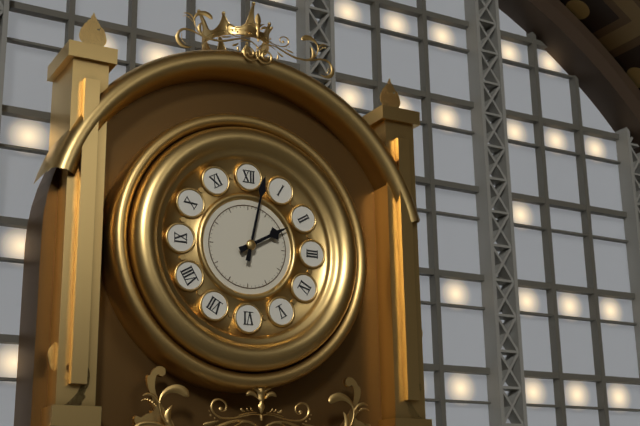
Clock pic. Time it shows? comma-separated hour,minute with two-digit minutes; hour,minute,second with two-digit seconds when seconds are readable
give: 2,02
